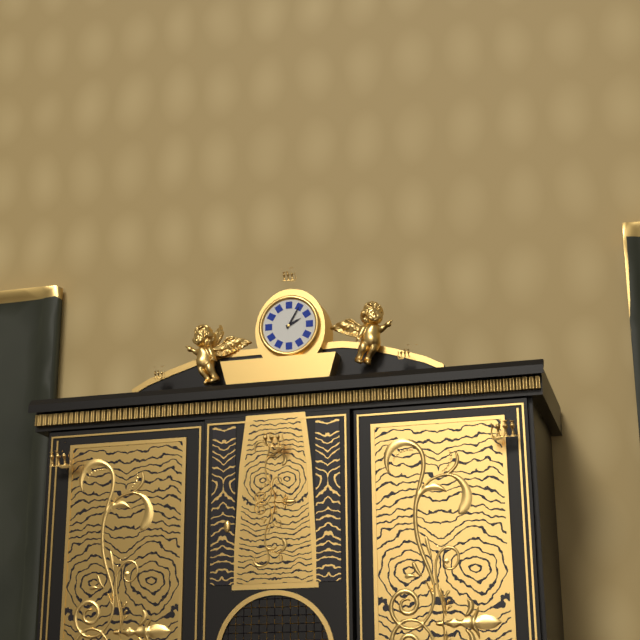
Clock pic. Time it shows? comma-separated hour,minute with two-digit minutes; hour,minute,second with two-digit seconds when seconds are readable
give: 2,05
